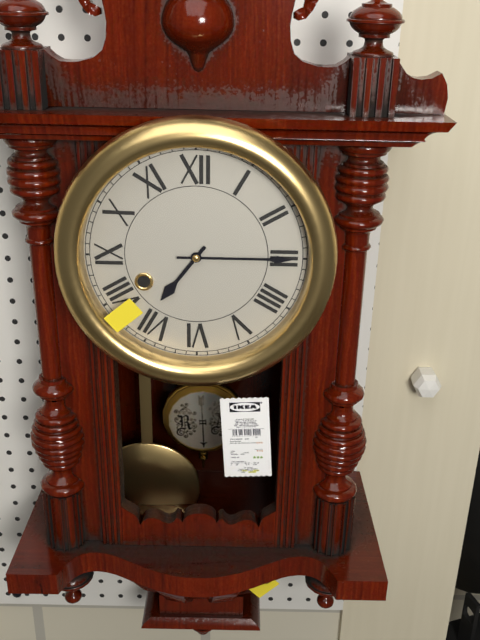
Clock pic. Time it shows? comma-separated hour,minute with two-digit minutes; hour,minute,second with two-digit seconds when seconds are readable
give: 7,15
